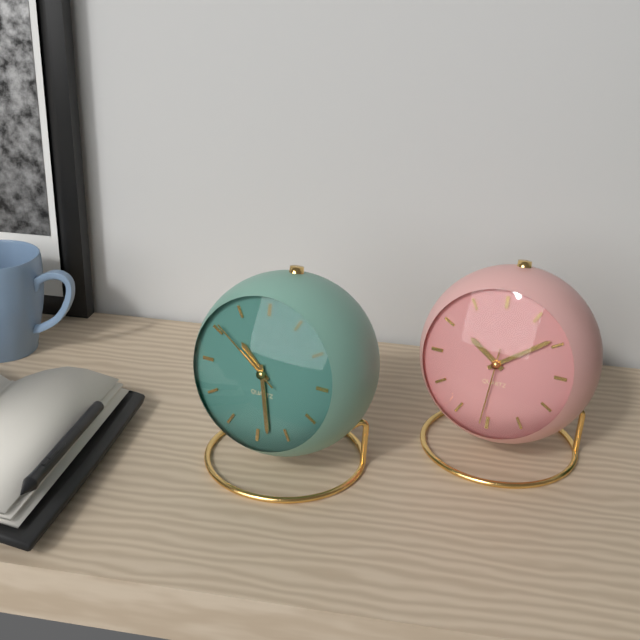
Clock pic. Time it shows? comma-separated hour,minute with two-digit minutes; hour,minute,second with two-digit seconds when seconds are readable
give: 10,28,51
